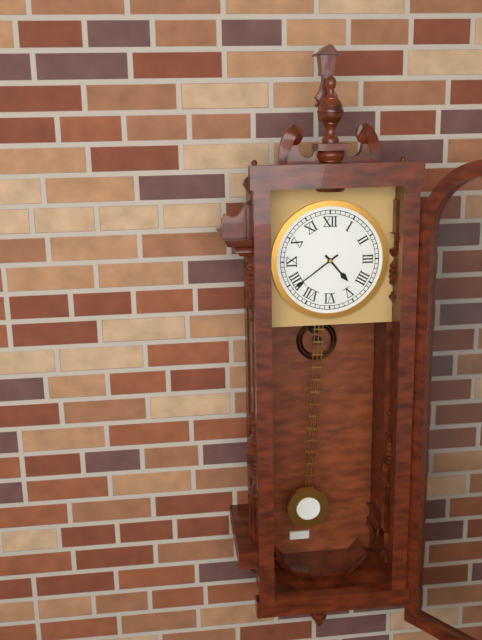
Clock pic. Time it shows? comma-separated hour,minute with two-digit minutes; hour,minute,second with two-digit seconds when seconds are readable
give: 4,39
